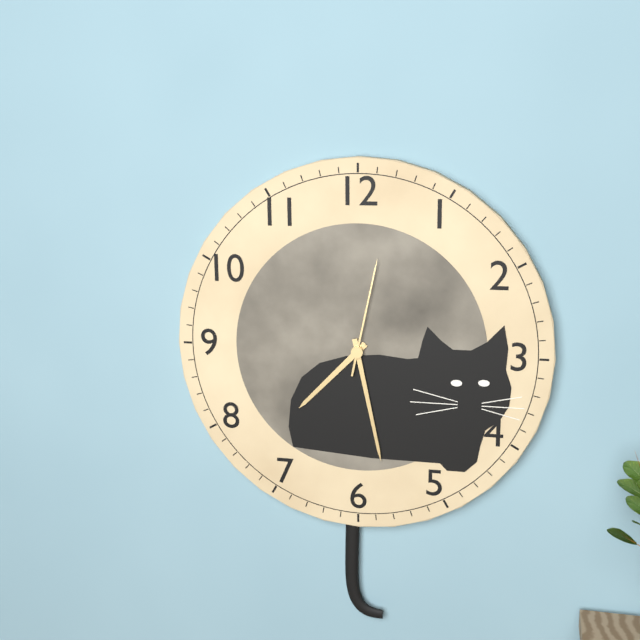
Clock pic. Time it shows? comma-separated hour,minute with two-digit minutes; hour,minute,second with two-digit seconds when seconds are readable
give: 7,28,02
